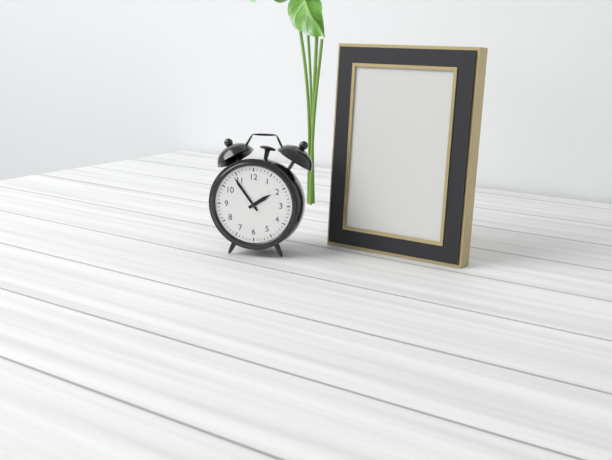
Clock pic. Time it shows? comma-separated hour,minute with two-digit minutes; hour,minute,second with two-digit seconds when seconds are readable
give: 1,54
